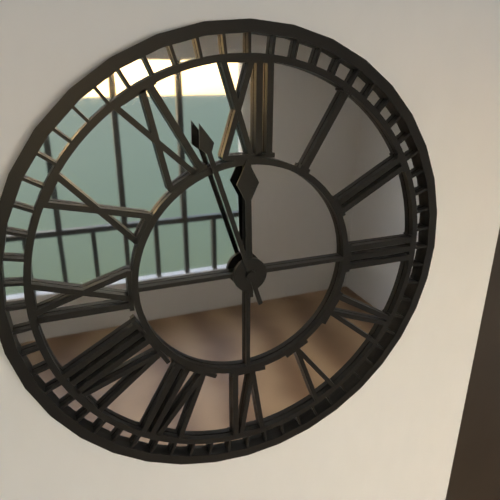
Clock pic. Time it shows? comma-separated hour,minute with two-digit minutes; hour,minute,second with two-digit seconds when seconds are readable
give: 11,57
